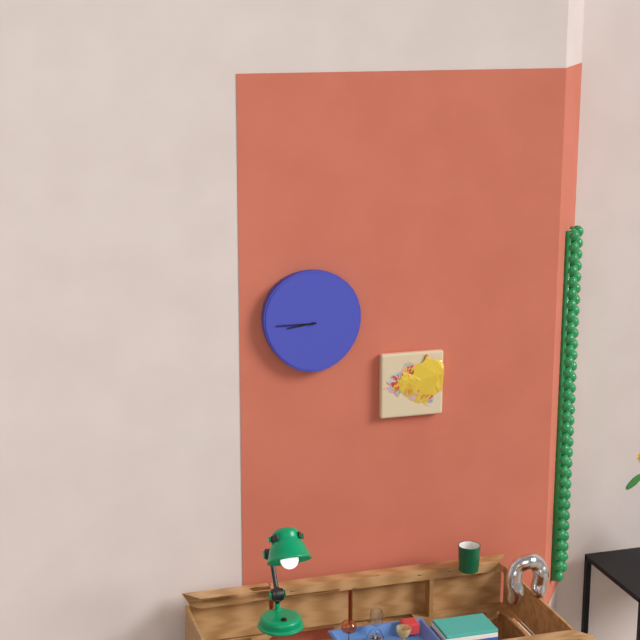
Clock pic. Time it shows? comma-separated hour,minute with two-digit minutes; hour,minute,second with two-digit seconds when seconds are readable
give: 8,45
